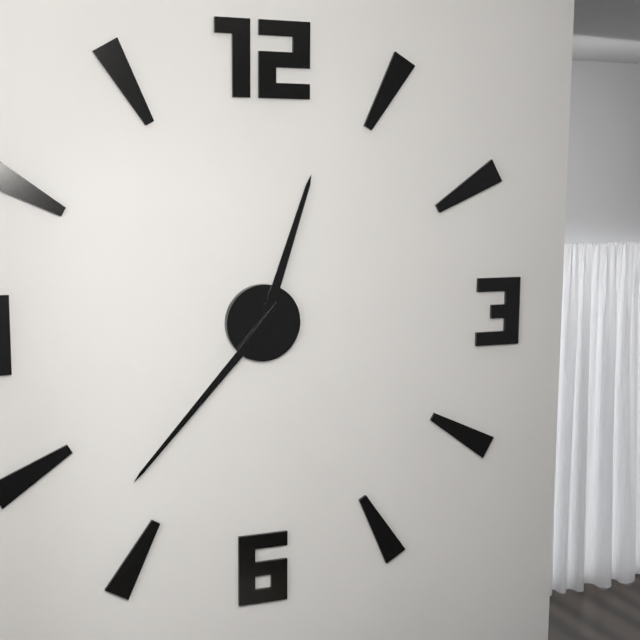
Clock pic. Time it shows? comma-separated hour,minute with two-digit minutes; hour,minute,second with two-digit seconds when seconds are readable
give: 12,37
